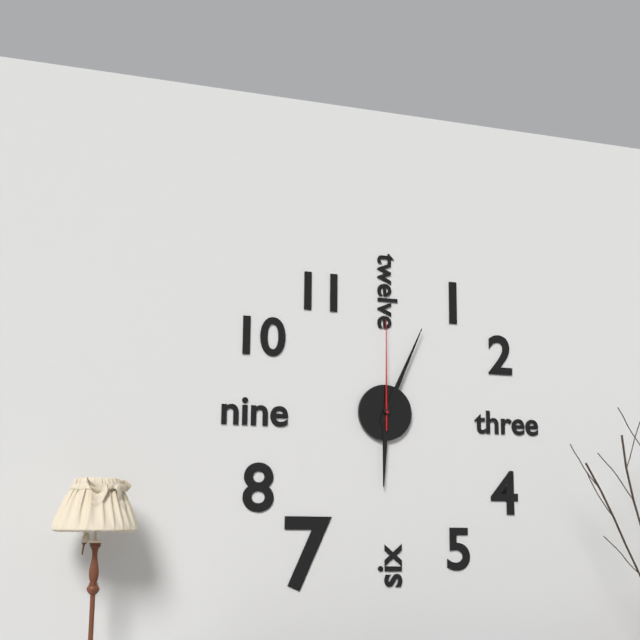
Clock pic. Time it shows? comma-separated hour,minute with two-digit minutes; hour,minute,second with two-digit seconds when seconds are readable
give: 6,04,00
